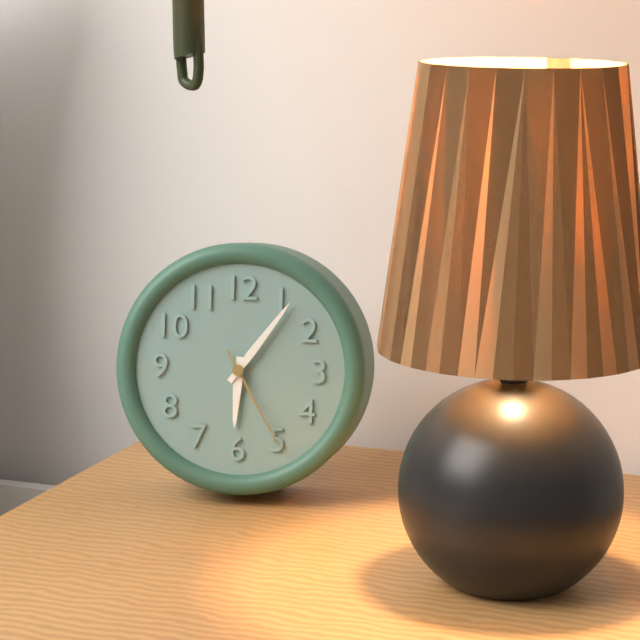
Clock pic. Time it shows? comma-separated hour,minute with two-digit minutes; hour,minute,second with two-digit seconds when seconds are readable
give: 6,06,25
